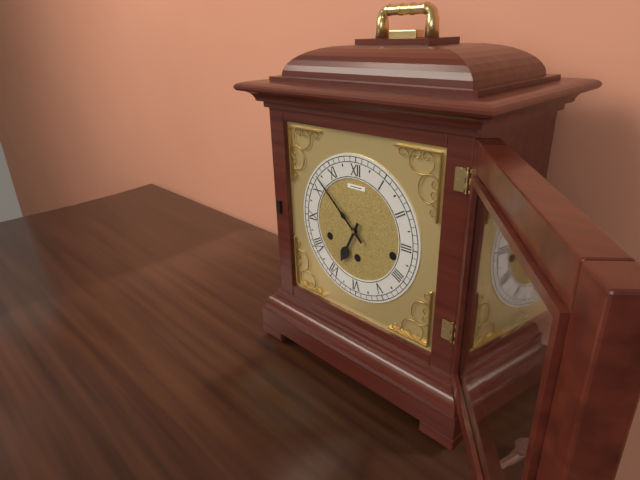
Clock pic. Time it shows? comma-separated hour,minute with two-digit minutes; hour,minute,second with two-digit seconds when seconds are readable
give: 6,52
